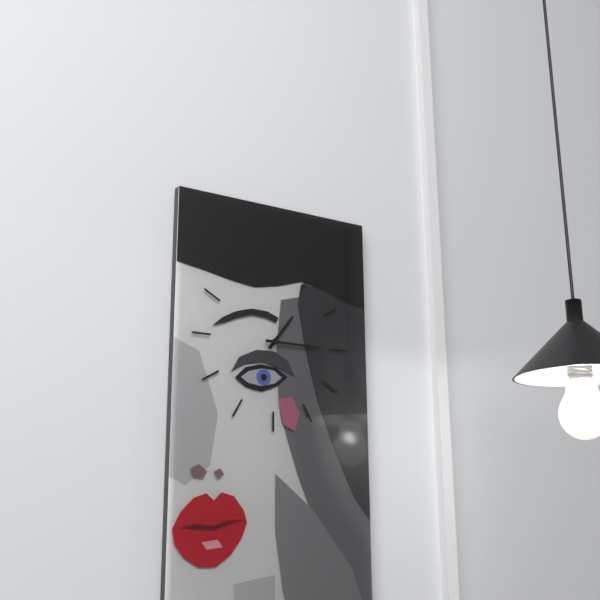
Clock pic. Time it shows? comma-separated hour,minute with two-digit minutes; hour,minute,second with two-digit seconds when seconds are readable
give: 1,15
